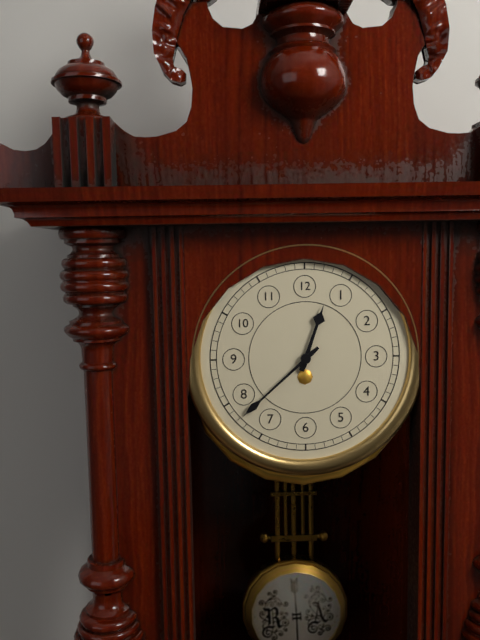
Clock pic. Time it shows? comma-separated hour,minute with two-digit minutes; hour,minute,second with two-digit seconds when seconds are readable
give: 12,38
